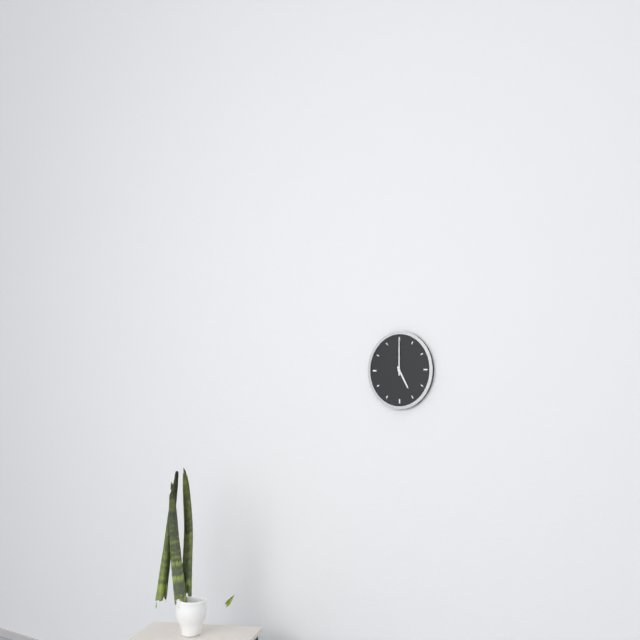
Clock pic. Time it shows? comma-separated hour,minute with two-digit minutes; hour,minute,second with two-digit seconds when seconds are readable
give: 5,00
